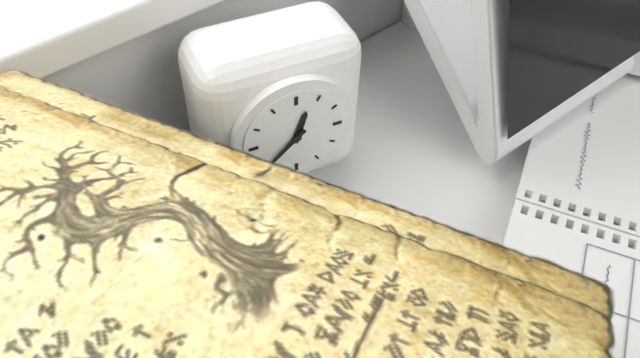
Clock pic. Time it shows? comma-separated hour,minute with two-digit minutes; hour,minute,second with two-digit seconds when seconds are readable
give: 12,38
